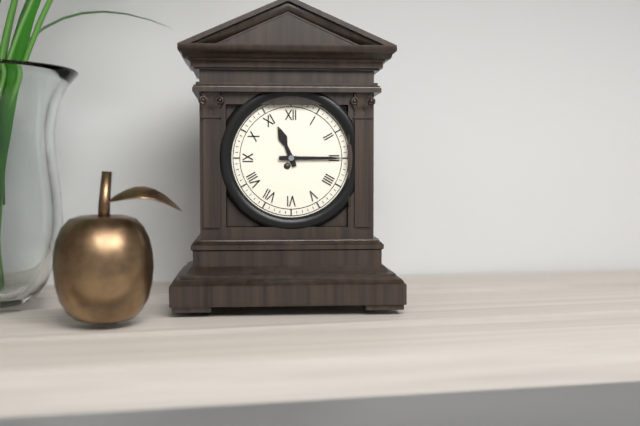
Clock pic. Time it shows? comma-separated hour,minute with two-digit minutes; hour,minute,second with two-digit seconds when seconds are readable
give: 11,15
